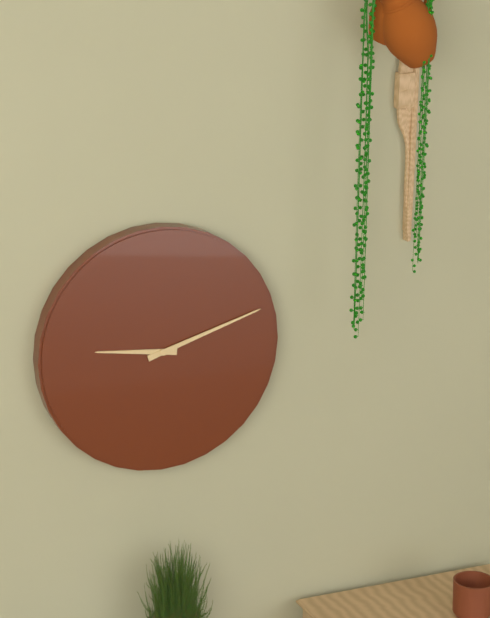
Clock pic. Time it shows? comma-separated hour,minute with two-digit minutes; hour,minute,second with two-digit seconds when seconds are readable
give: 9,12
